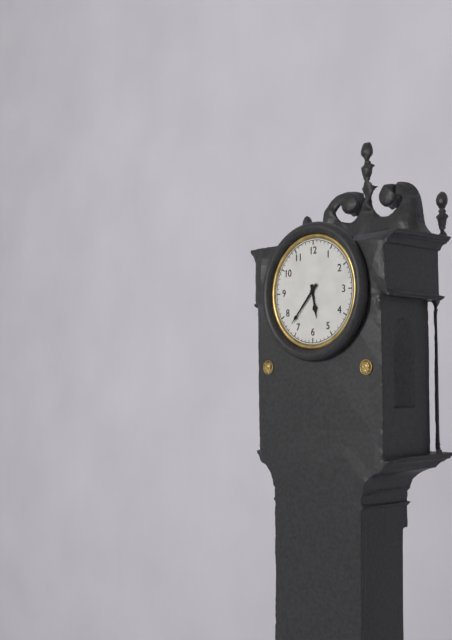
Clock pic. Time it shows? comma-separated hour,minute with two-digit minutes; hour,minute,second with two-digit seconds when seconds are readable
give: 5,37
